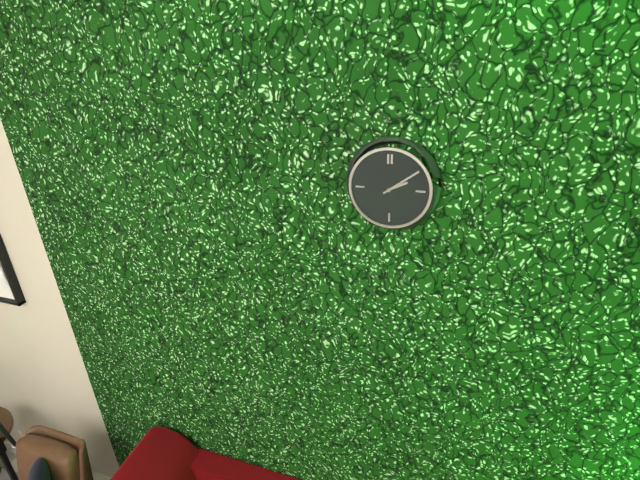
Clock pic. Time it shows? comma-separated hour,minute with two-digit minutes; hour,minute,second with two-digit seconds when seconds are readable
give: 2,09
